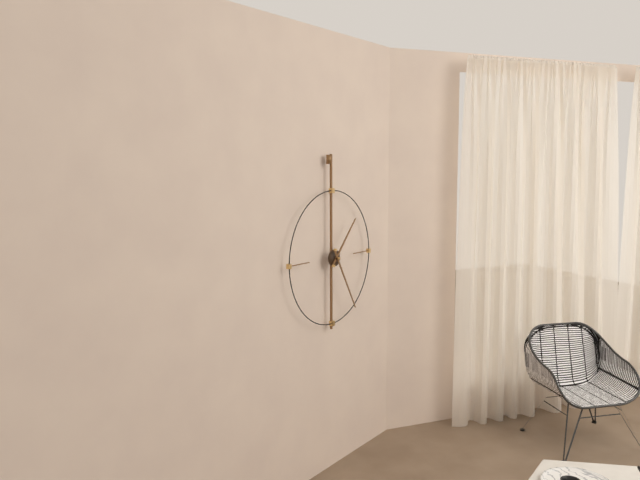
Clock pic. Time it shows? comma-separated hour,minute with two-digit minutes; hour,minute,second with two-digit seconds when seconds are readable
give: 1,25
